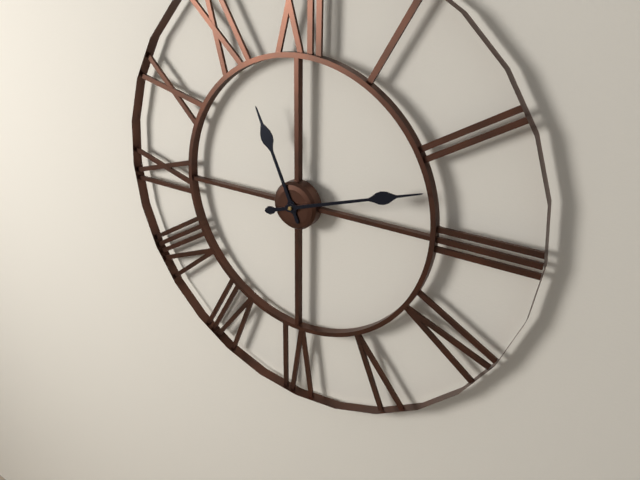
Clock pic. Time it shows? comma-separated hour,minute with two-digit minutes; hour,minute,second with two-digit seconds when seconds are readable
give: 11,12
